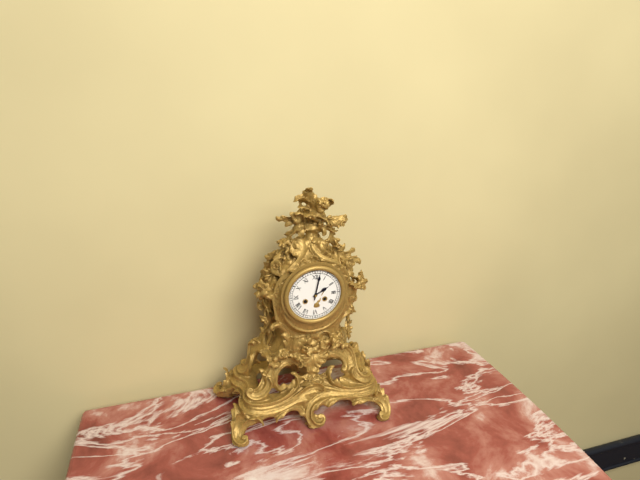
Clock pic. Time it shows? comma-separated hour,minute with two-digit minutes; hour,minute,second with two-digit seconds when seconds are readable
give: 2,02
